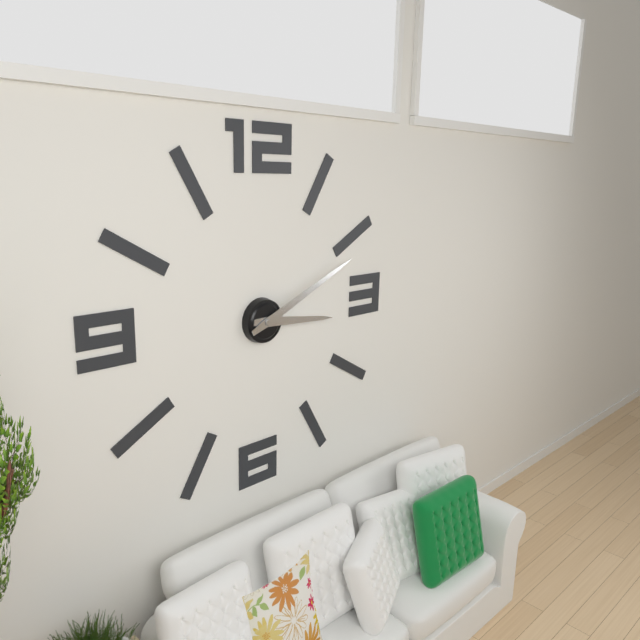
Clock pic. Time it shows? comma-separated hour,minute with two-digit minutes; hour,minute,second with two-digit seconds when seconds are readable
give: 3,11
